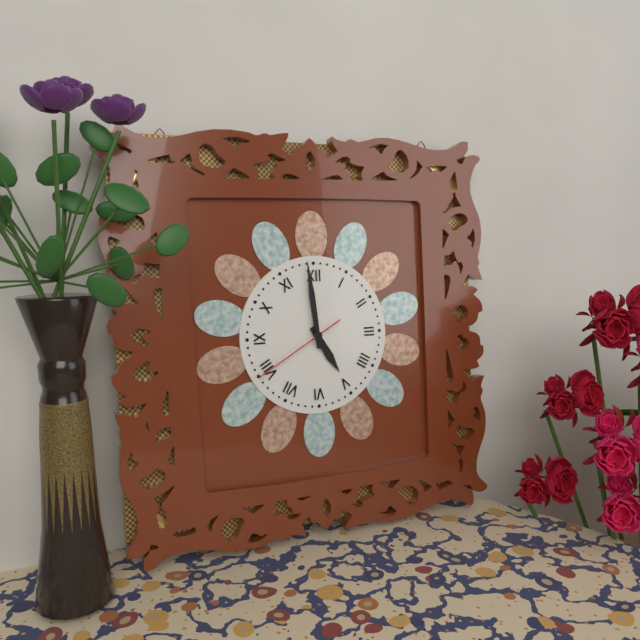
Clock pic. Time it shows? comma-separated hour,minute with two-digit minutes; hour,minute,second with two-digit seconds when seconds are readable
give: 4,59,40
